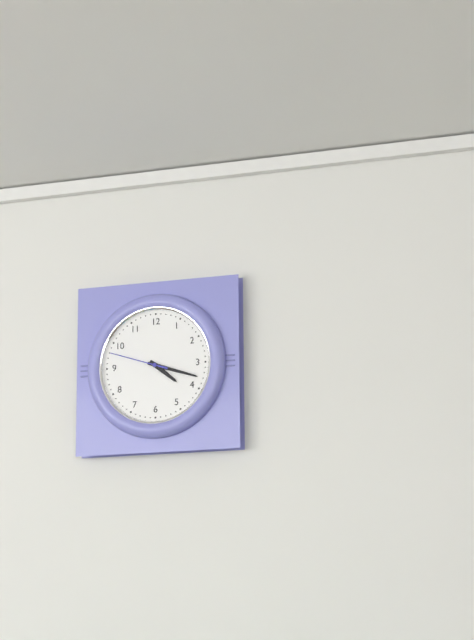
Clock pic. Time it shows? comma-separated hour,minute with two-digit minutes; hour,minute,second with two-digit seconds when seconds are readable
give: 4,18,48
